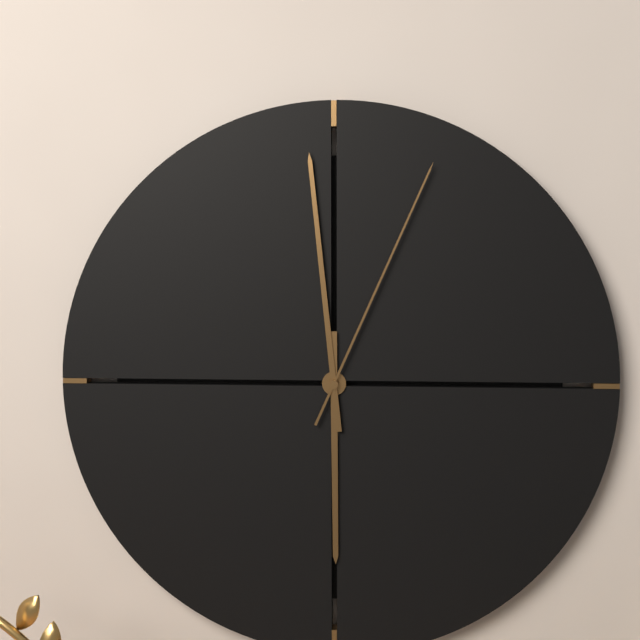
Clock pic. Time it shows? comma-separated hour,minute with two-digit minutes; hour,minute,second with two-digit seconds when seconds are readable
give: 5,59,04
